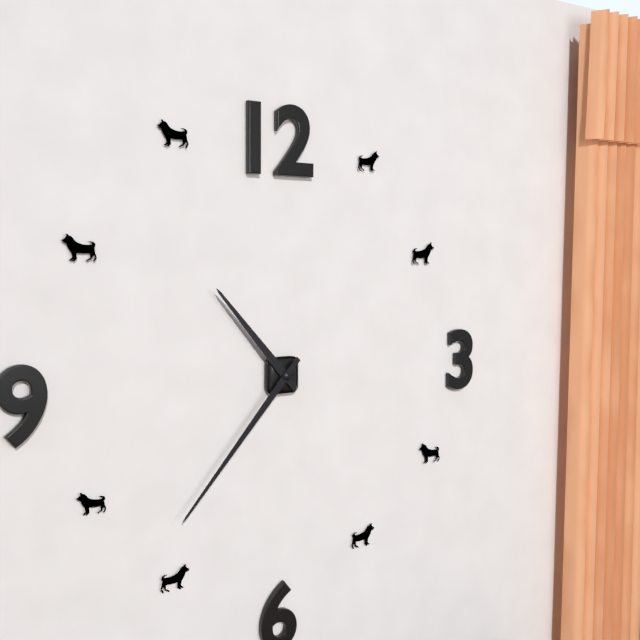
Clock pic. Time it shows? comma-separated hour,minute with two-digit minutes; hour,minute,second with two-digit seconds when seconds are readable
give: 10,37
